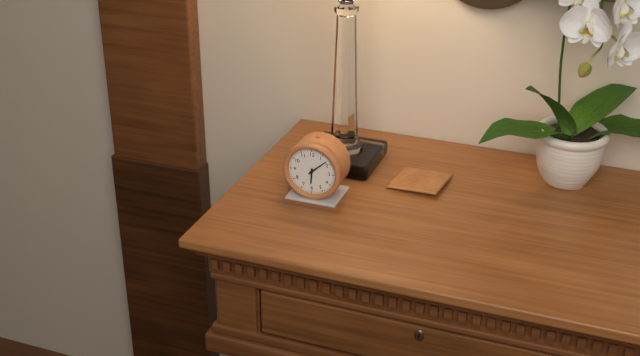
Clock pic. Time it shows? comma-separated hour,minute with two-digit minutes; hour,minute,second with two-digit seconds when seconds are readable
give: 6,08
